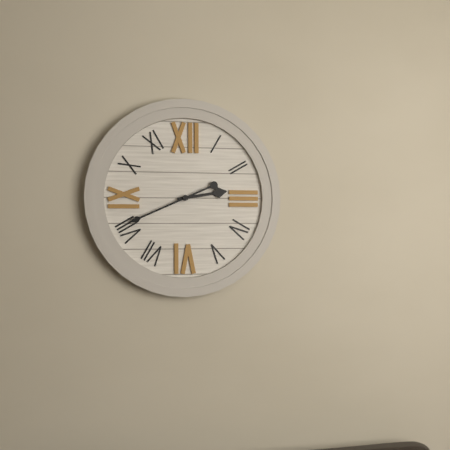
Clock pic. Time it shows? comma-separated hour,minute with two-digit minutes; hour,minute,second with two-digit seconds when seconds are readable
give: 2,41
